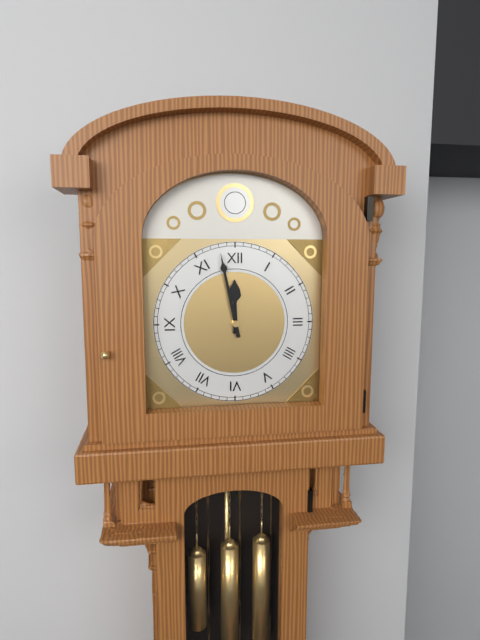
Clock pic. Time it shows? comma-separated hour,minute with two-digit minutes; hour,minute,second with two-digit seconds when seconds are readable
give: 11,58
